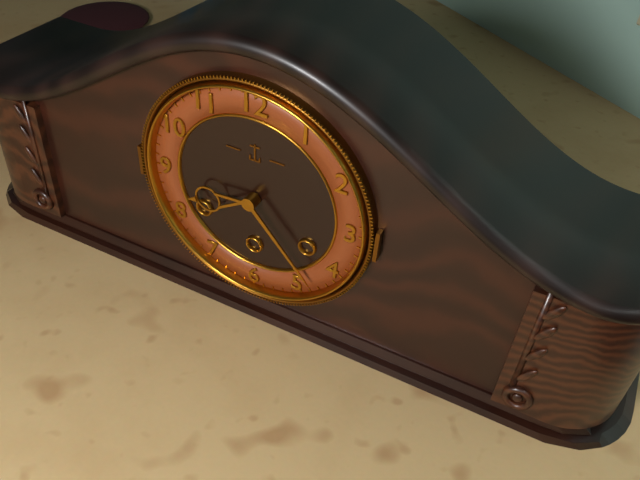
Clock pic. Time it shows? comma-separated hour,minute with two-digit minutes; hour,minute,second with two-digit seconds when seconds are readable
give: 8,23
